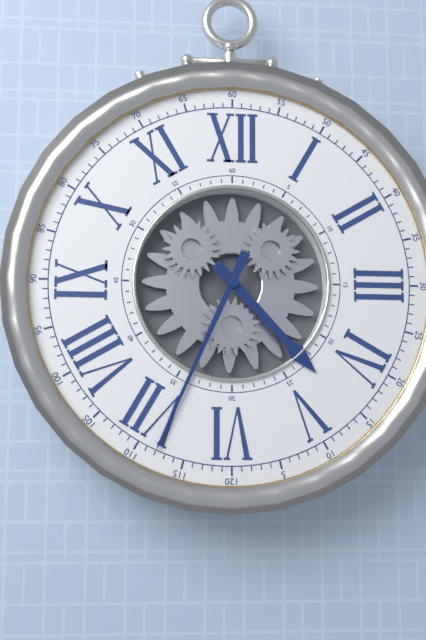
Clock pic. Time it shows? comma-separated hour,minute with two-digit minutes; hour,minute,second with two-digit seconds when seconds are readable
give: 4,34
